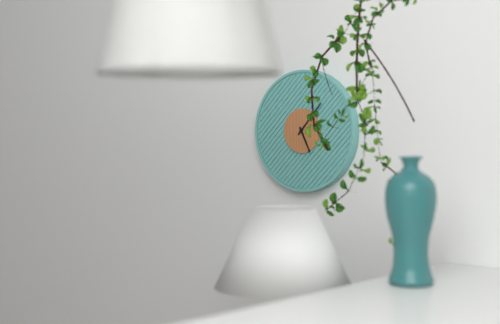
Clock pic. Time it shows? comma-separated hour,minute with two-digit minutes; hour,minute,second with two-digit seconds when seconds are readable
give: 5,07
